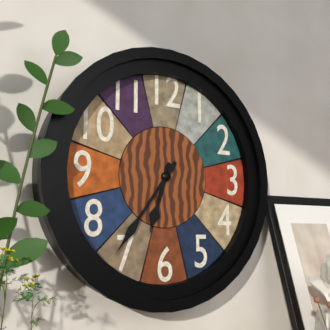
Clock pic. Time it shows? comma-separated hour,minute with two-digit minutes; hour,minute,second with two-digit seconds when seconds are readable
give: 6,36
